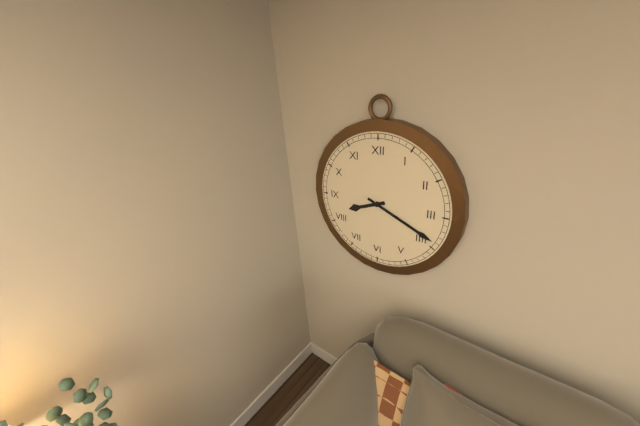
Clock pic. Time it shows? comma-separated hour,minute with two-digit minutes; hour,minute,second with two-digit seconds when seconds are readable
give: 8,19
